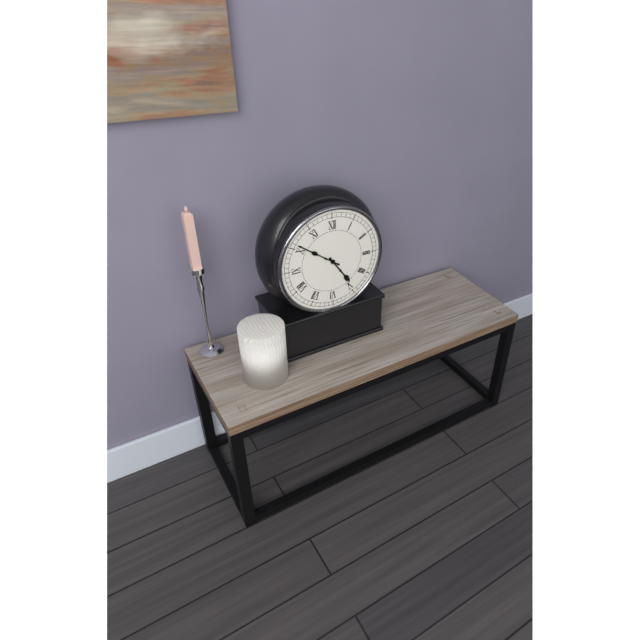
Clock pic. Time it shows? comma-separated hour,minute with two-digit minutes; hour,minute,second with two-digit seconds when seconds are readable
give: 4,51
